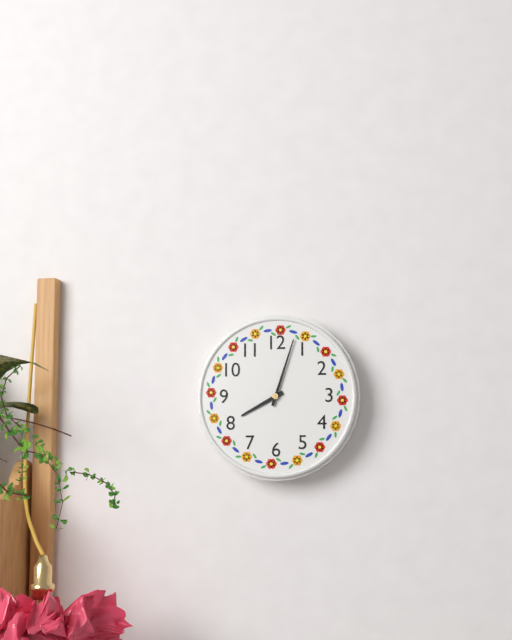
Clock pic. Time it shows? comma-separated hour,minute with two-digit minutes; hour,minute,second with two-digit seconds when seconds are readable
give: 8,03
